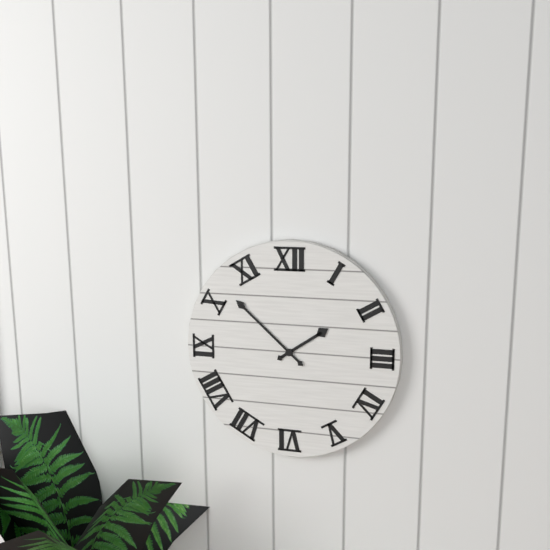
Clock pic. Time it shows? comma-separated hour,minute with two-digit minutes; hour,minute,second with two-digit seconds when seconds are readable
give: 1,52
